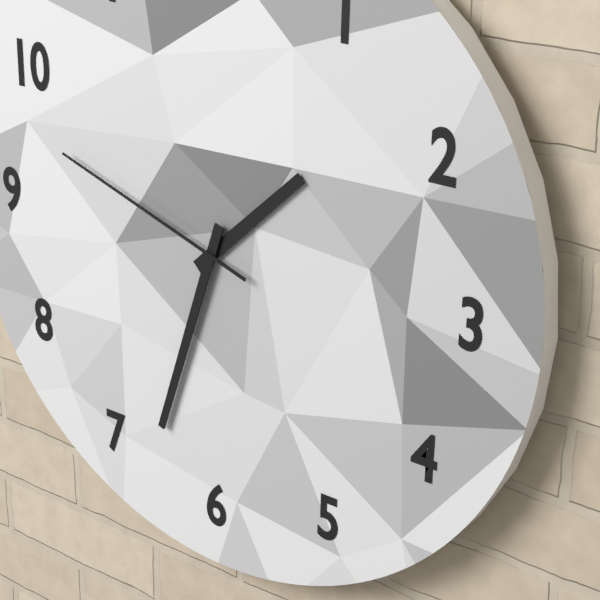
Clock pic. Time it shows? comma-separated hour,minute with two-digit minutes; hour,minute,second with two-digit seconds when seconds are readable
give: 1,33,48
